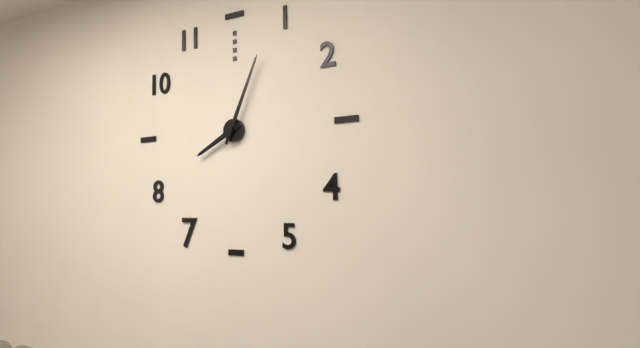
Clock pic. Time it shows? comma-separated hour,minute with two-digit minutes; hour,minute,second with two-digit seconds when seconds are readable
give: 8,04
